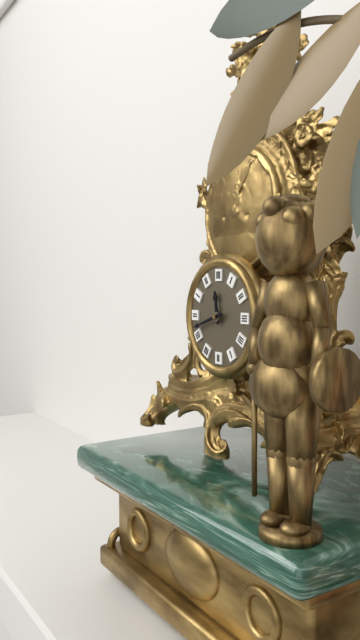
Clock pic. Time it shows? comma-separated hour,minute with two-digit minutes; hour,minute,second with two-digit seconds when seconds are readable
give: 11,42
